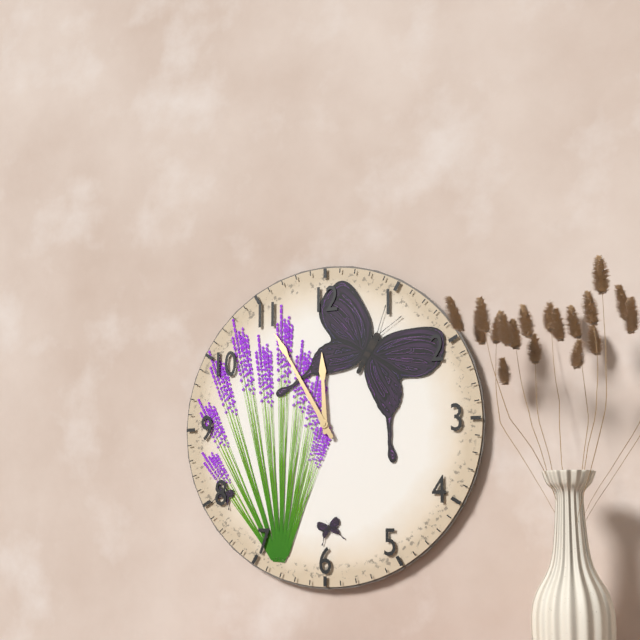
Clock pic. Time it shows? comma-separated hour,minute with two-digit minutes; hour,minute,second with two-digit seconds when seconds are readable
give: 11,55
